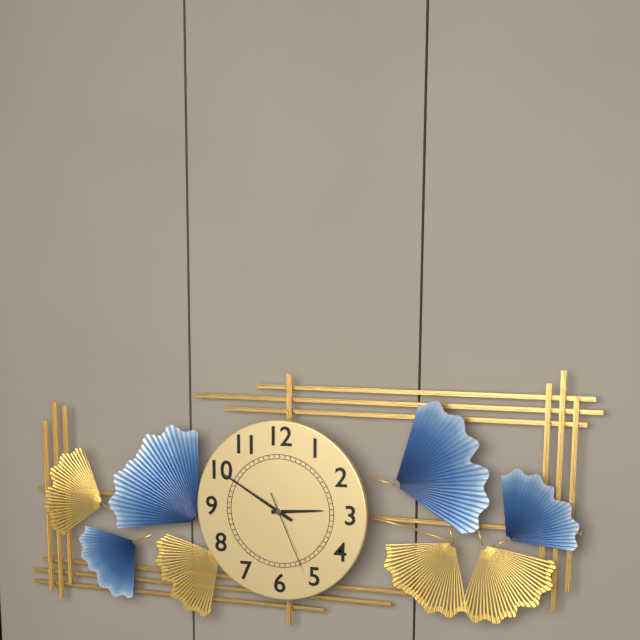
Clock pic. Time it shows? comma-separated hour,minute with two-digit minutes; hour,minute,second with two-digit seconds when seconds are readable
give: 2,50,26
